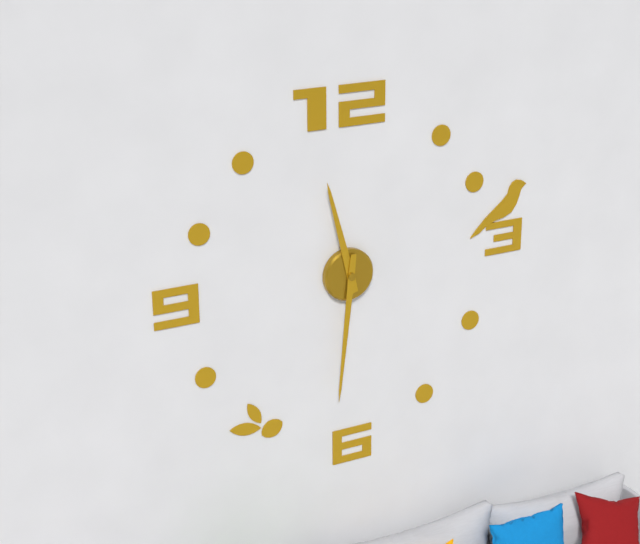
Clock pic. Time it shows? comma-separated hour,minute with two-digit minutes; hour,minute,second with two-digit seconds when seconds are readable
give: 11,31
